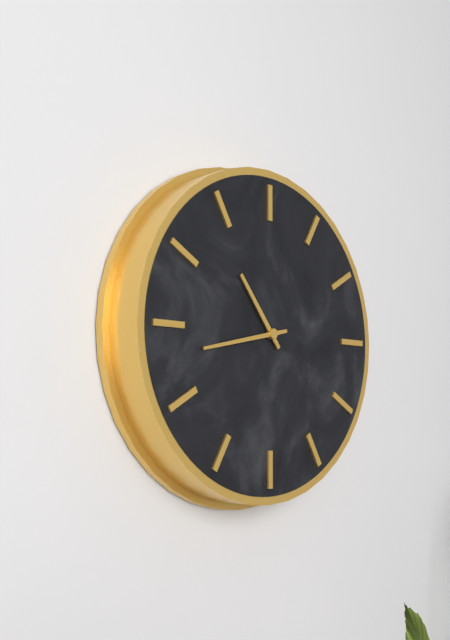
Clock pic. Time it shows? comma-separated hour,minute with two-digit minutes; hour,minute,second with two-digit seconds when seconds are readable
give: 10,43
